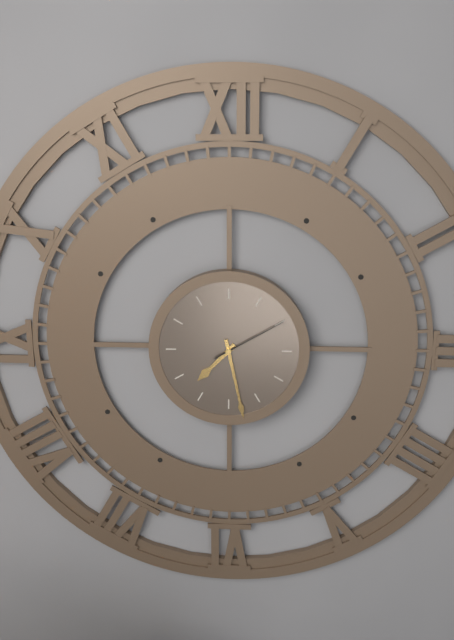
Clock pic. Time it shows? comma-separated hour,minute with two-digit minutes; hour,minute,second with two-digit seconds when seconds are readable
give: 7,28,10
